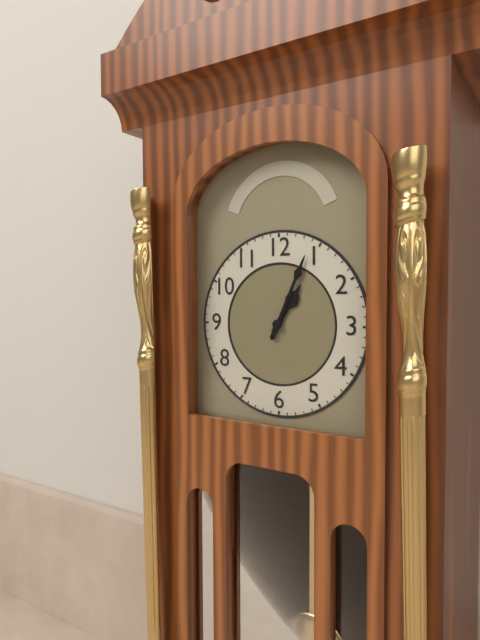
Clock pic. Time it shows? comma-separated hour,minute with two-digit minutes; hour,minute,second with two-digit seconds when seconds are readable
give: 1,04
